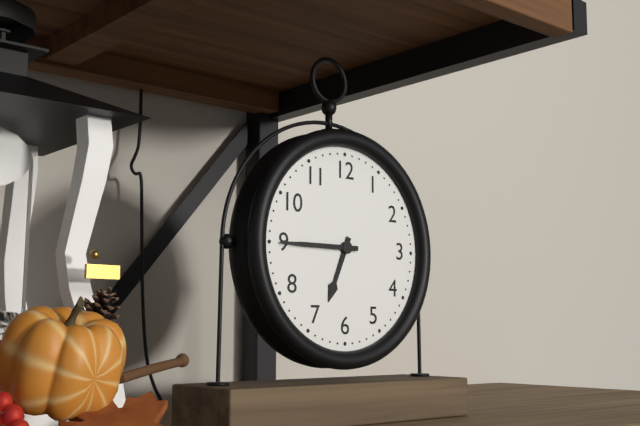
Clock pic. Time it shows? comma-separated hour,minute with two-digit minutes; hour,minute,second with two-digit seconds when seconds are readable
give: 6,45
